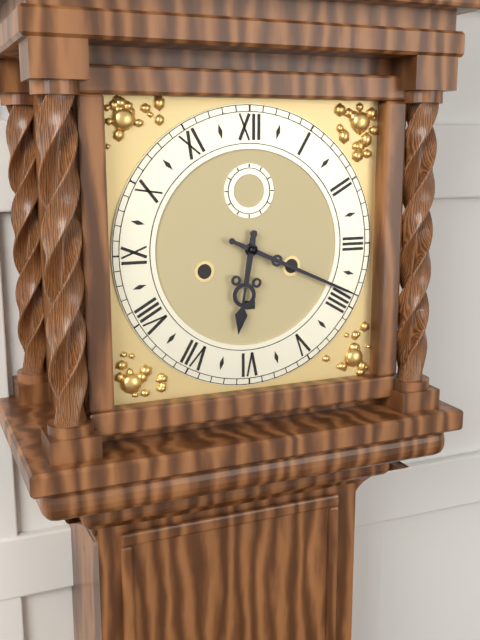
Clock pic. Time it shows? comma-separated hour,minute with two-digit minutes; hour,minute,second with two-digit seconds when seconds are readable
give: 6,19
